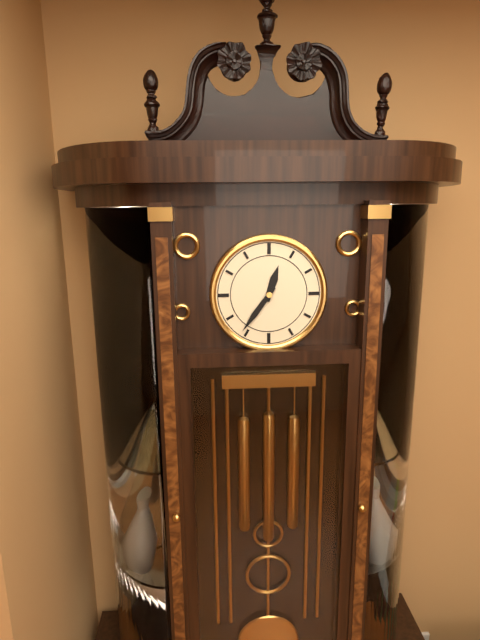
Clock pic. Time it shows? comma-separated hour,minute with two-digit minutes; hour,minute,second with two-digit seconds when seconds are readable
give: 12,36
